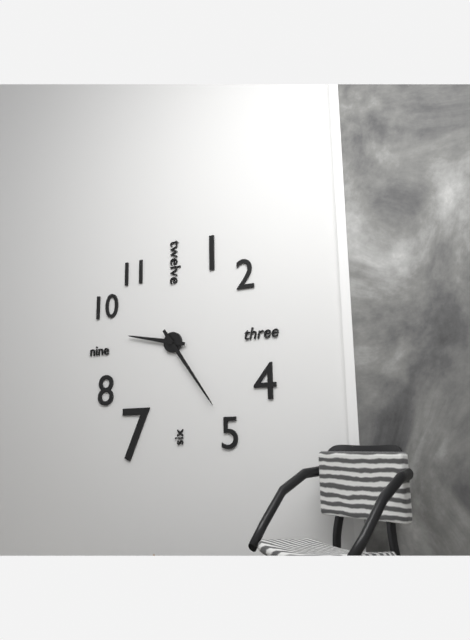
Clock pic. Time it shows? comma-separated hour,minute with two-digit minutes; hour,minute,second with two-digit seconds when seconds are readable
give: 9,24
